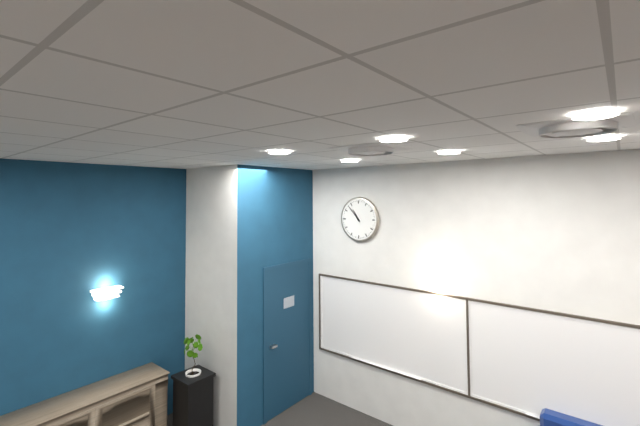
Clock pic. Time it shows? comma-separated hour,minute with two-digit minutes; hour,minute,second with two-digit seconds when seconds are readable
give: 10,53
